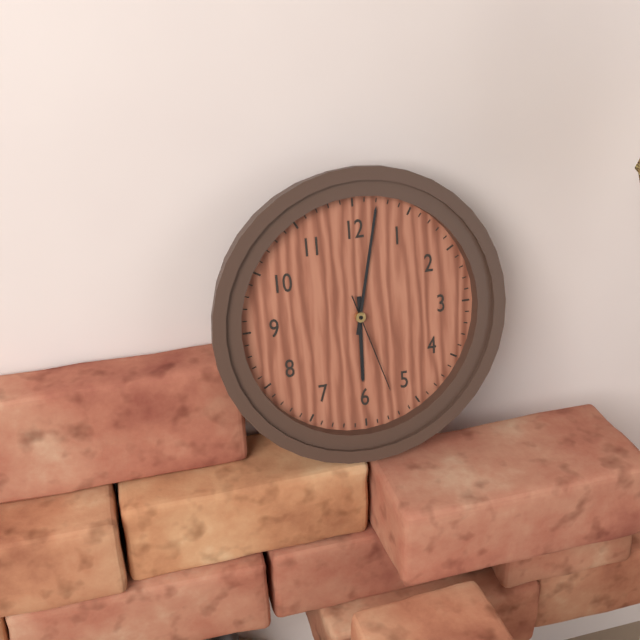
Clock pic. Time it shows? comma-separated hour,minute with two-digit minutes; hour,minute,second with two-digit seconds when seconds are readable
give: 6,02,27
